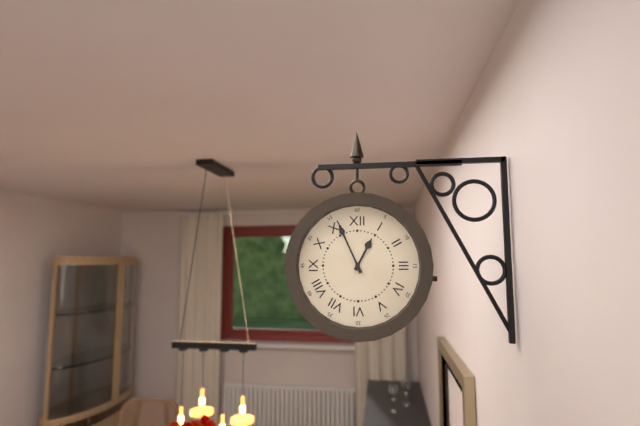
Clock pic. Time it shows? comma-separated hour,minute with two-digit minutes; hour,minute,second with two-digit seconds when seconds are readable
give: 12,56
